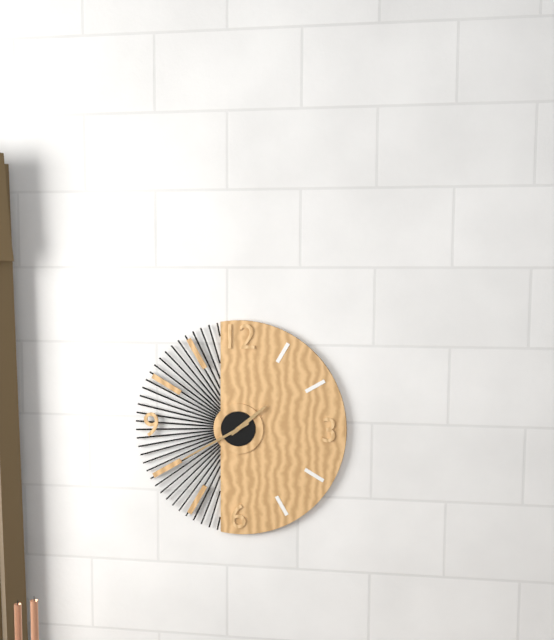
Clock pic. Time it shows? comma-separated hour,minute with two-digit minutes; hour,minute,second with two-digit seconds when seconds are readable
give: 1,40
